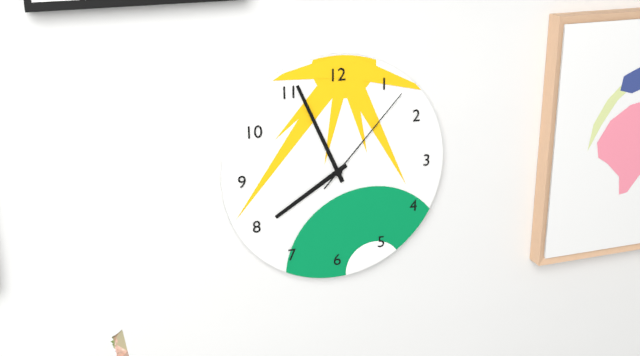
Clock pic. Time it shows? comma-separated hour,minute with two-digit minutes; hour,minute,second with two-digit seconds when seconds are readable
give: 7,56,07
